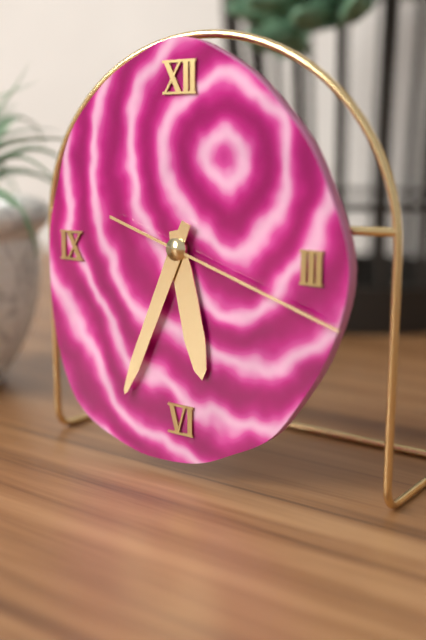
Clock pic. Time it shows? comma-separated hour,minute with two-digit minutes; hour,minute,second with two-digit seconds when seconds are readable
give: 5,34,18
